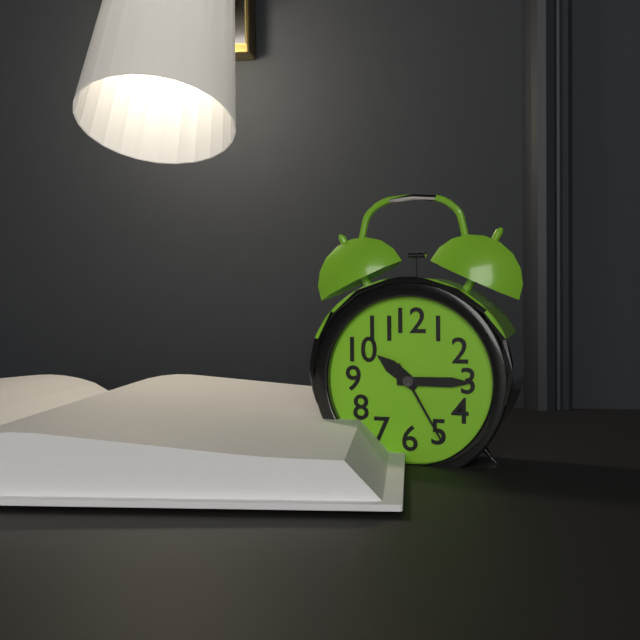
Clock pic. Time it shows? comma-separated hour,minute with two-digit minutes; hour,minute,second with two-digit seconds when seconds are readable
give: 10,15,25
